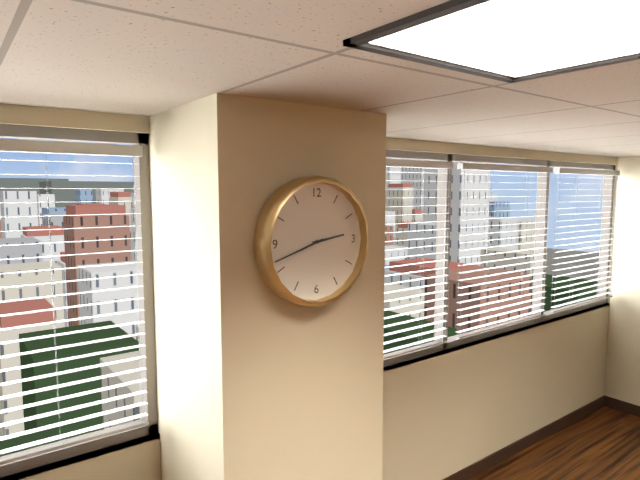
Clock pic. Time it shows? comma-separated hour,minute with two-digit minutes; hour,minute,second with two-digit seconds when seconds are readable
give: 2,42
